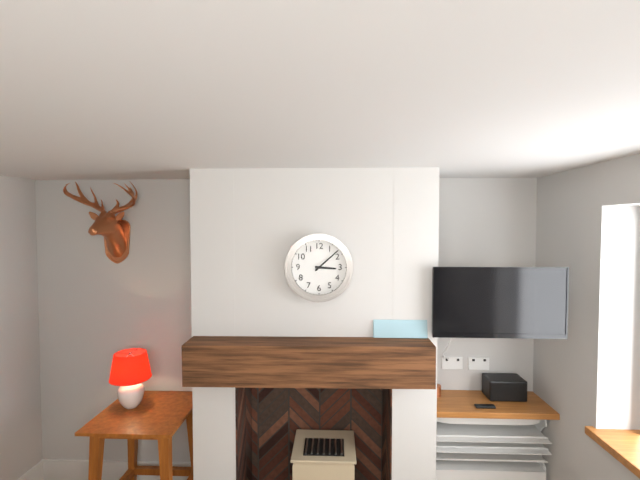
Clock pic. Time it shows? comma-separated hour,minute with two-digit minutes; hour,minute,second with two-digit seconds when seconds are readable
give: 3,08
